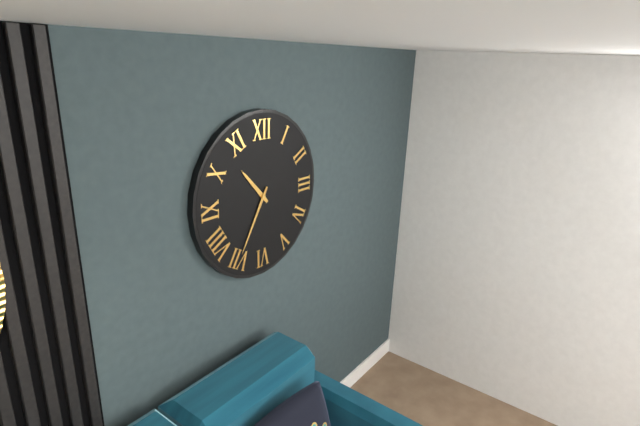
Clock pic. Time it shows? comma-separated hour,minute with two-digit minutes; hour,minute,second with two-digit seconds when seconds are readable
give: 10,35
